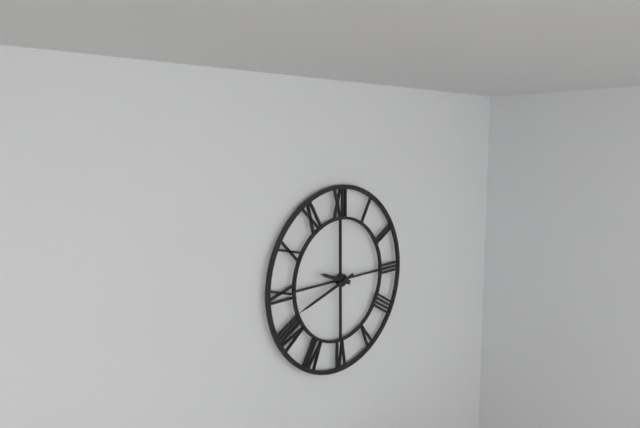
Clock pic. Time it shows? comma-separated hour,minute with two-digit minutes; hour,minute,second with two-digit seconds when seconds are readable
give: 9,42
